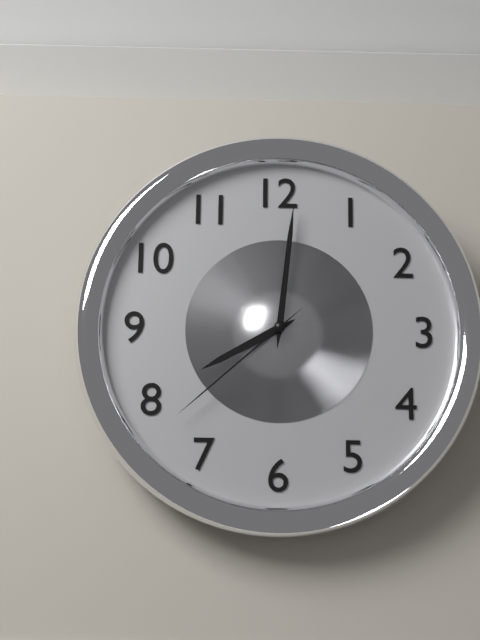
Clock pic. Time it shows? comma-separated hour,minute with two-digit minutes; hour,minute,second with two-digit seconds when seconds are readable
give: 8,01,38
